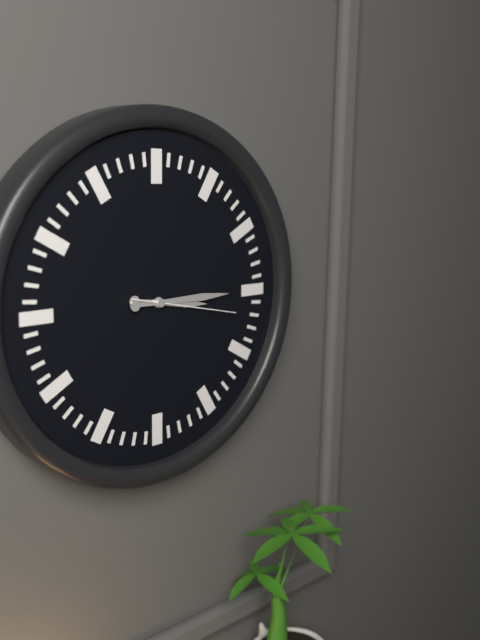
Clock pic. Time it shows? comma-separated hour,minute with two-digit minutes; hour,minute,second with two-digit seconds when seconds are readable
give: 3,15,17
